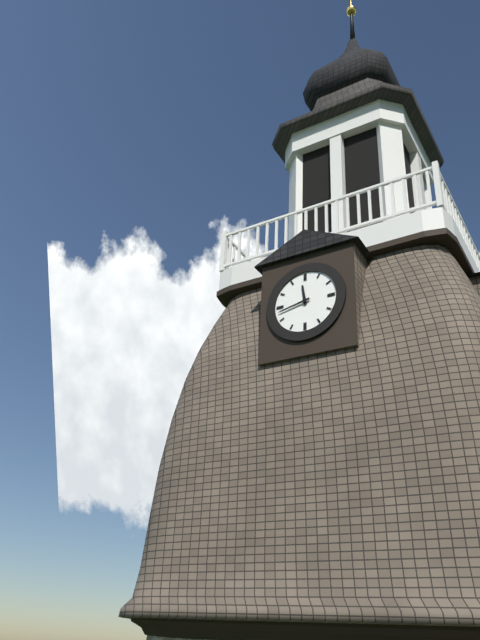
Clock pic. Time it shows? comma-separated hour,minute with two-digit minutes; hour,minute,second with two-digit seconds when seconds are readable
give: 11,43
